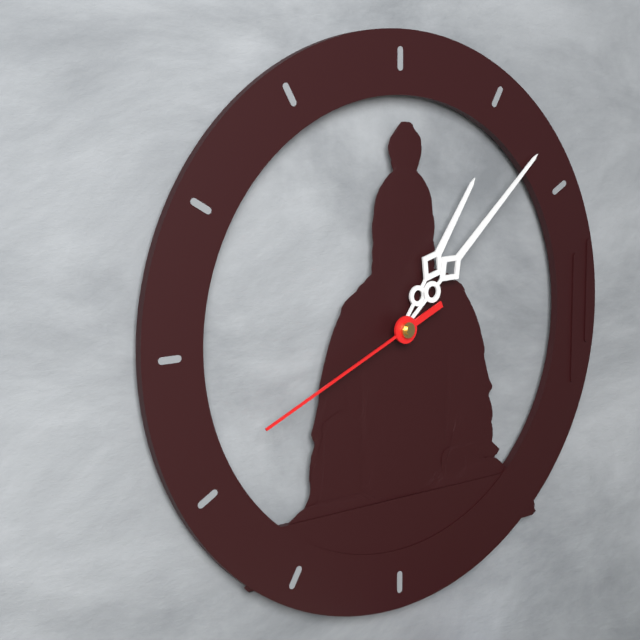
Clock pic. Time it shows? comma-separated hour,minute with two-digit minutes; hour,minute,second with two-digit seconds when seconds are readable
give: 1,08,41
